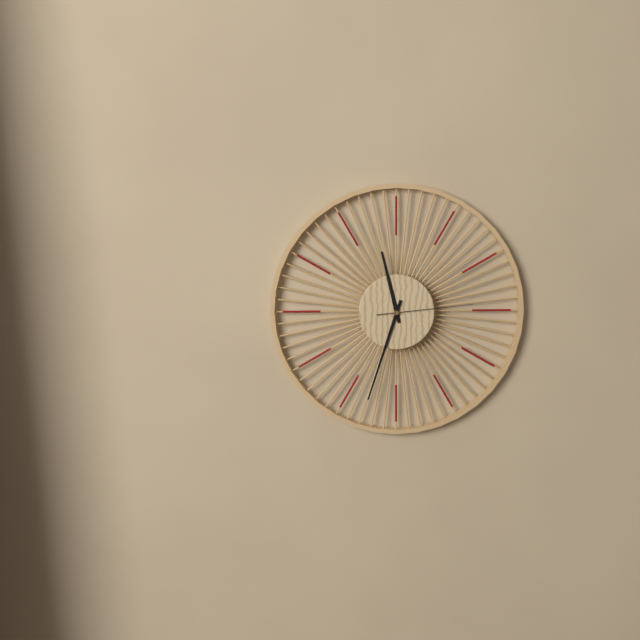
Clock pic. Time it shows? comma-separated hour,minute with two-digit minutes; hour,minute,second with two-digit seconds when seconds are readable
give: 11,33,14
